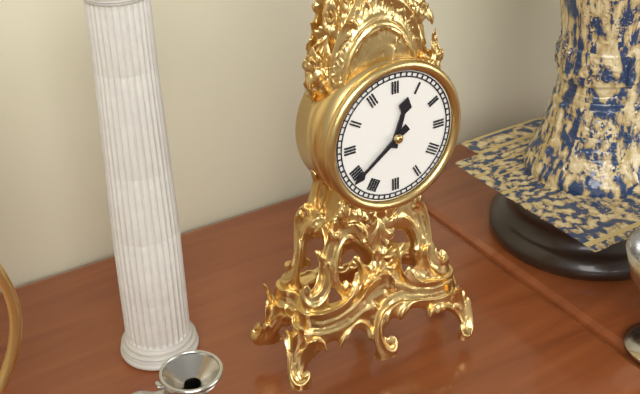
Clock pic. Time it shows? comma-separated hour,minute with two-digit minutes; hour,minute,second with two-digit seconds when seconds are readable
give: 12,39
